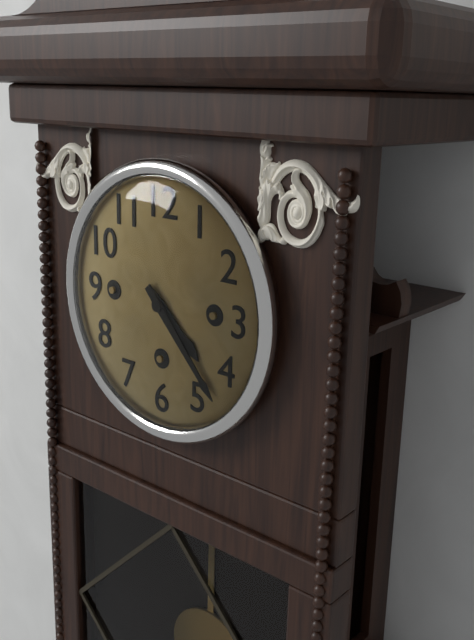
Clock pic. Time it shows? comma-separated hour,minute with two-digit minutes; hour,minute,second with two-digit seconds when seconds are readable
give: 4,23
